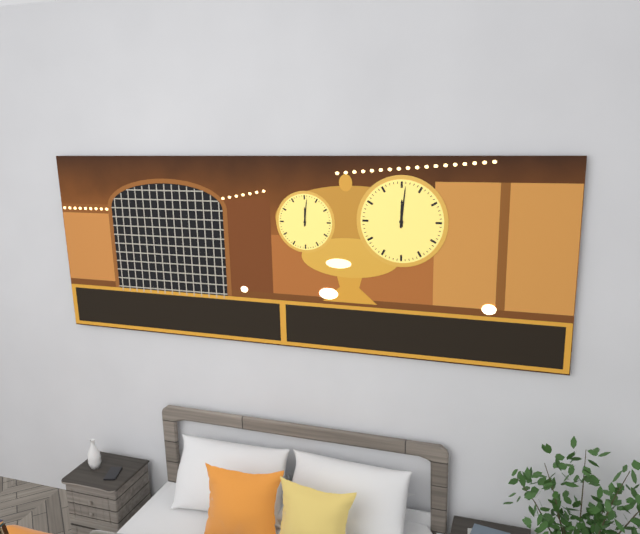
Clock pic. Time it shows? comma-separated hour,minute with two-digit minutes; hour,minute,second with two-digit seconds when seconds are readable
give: 12,01
